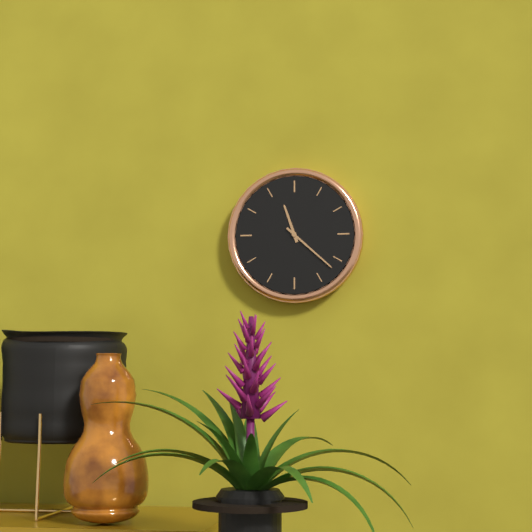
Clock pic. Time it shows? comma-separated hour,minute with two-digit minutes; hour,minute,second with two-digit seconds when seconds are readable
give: 11,22
